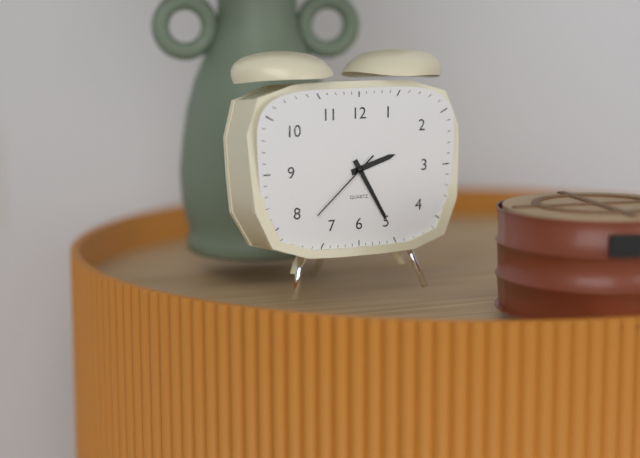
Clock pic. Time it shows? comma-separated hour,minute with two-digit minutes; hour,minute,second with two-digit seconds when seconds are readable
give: 2,25,38
